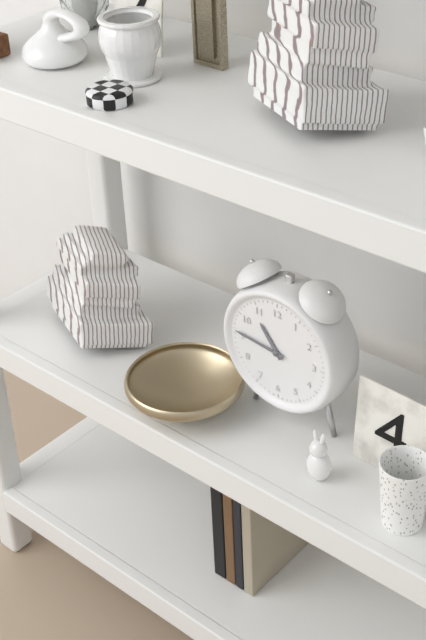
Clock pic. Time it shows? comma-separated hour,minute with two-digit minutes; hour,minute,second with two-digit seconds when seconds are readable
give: 10,46
